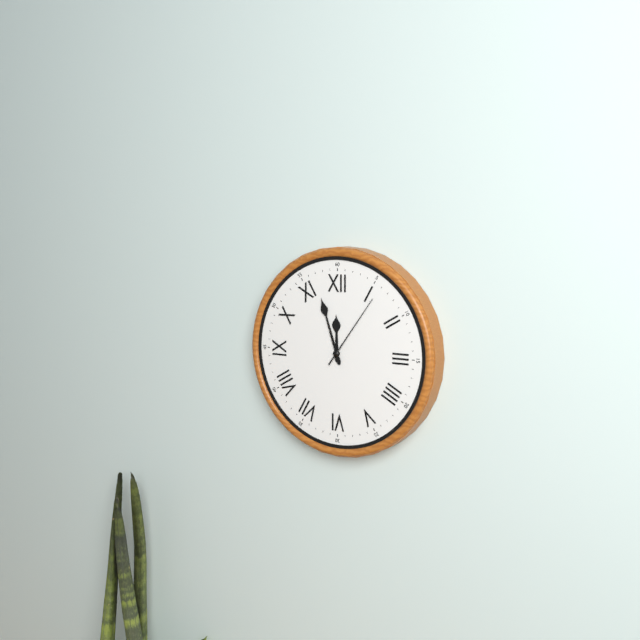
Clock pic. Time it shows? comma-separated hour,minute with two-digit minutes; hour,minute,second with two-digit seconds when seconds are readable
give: 11,57,06
